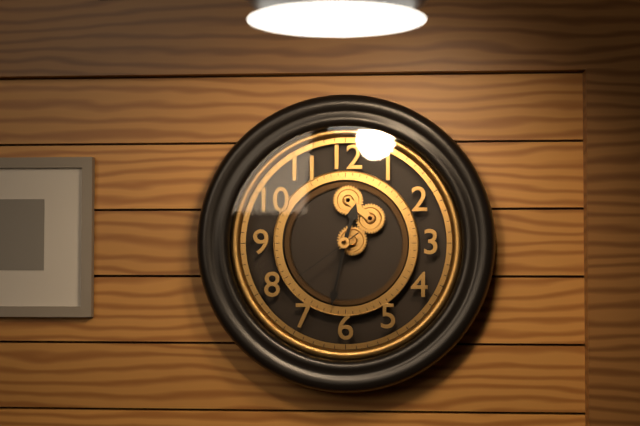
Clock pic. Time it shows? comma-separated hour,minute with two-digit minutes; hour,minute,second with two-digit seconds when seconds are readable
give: 12,32,39
